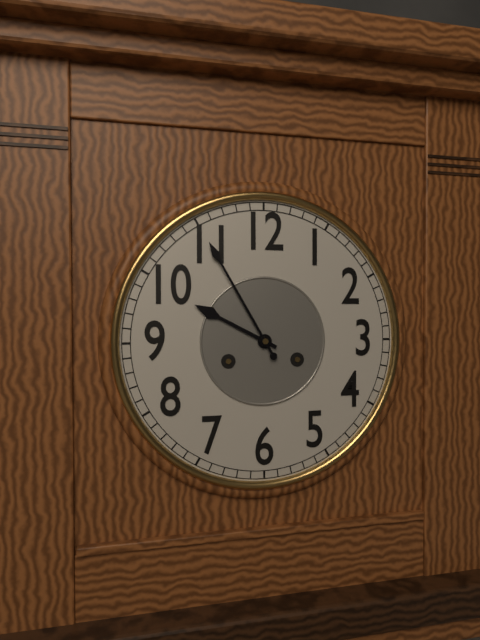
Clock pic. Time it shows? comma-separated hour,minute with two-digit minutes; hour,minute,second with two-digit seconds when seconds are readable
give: 9,55
